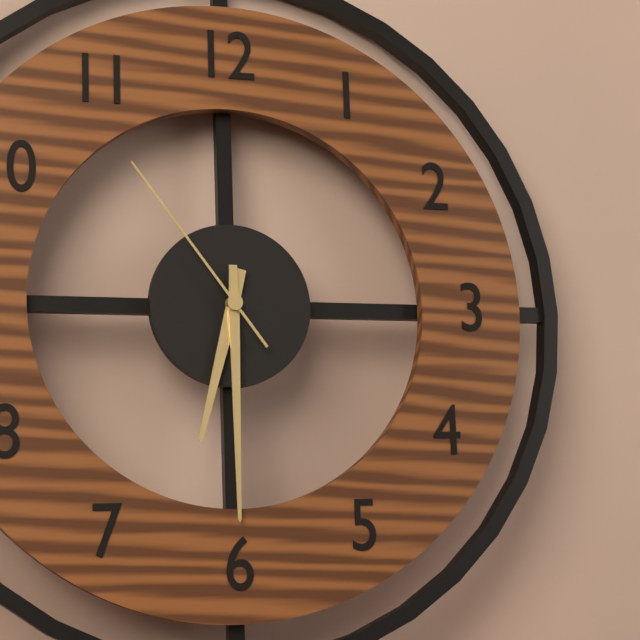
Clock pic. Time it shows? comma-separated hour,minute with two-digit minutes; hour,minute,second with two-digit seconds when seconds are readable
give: 6,30,54
